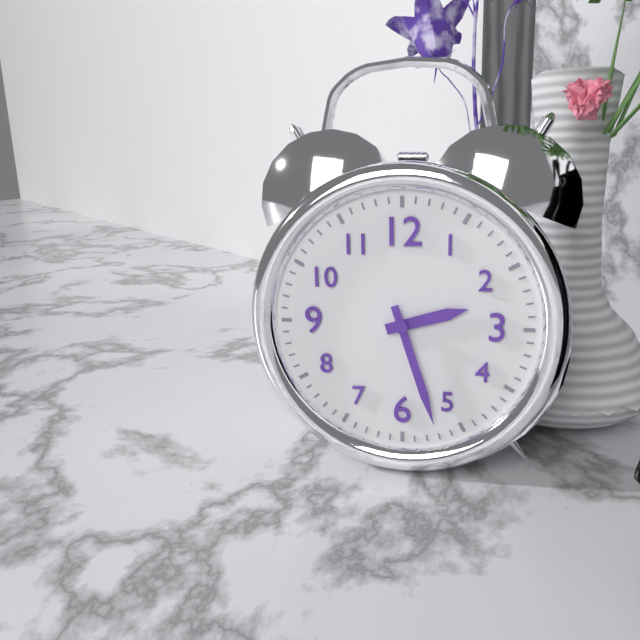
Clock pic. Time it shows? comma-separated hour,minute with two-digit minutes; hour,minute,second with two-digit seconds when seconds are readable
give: 2,27
